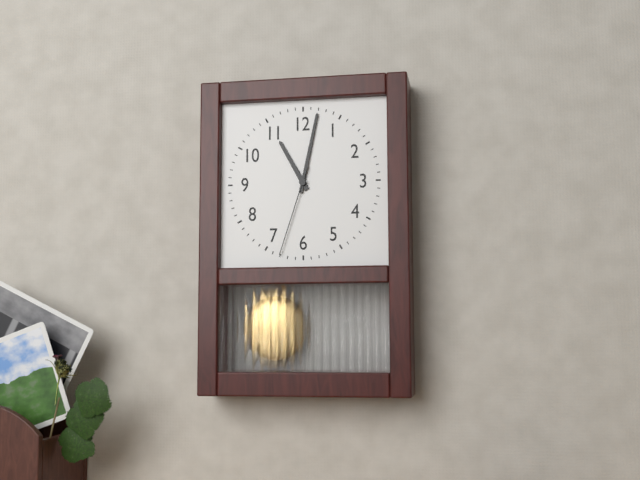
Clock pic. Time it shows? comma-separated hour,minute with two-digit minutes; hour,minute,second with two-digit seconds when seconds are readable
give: 11,02,33
